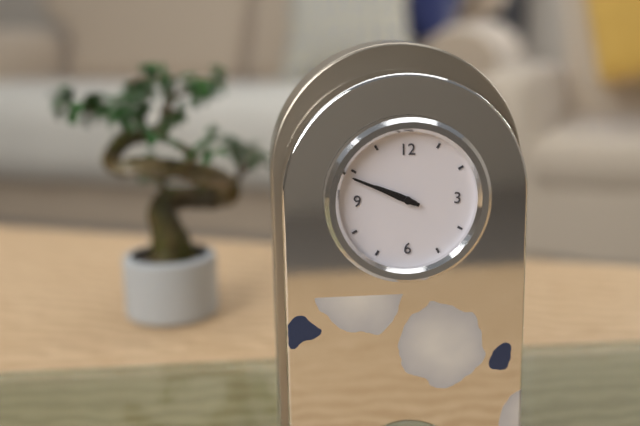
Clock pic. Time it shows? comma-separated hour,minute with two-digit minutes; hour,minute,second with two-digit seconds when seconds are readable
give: 9,49
